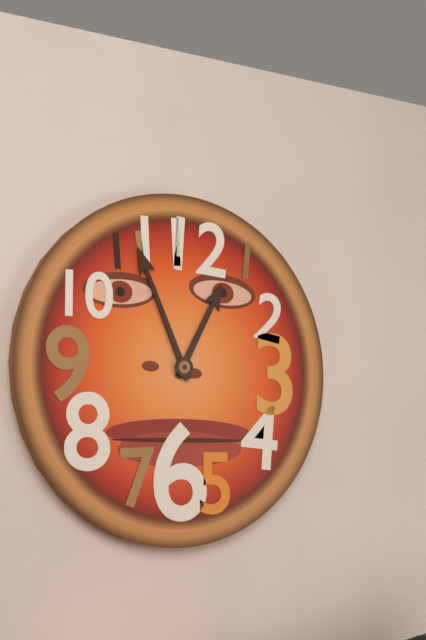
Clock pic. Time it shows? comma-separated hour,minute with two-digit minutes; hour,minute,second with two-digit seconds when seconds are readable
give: 12,56
